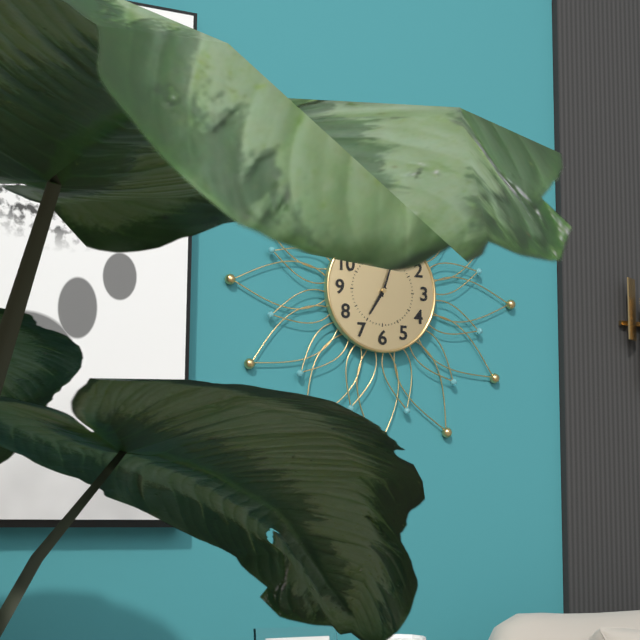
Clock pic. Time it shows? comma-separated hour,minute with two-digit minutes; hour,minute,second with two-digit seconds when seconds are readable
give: 7,03
